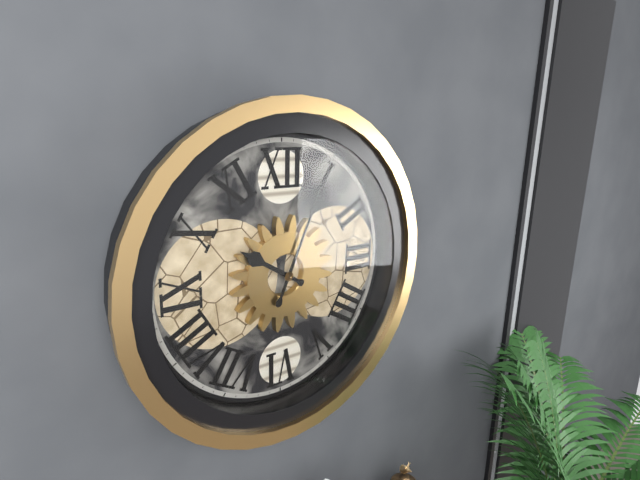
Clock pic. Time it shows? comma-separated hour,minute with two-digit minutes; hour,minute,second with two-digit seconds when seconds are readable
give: 10,04
